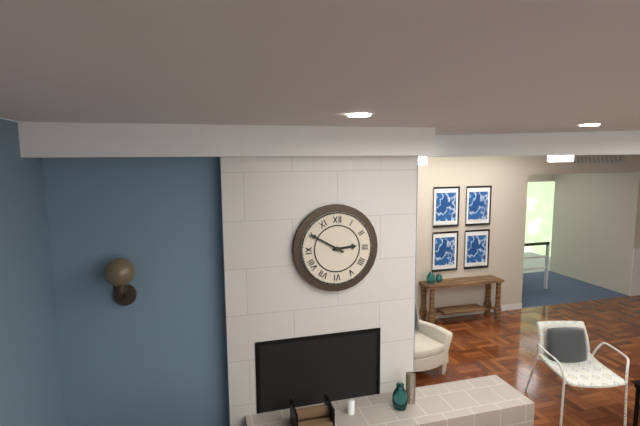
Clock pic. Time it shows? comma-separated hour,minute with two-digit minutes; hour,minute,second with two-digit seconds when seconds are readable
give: 2,50
